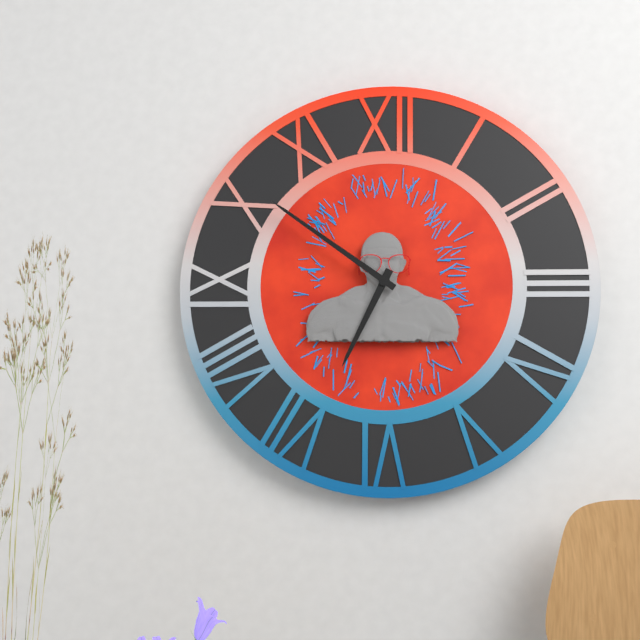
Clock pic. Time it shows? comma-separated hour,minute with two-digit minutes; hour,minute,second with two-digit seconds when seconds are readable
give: 6,51
